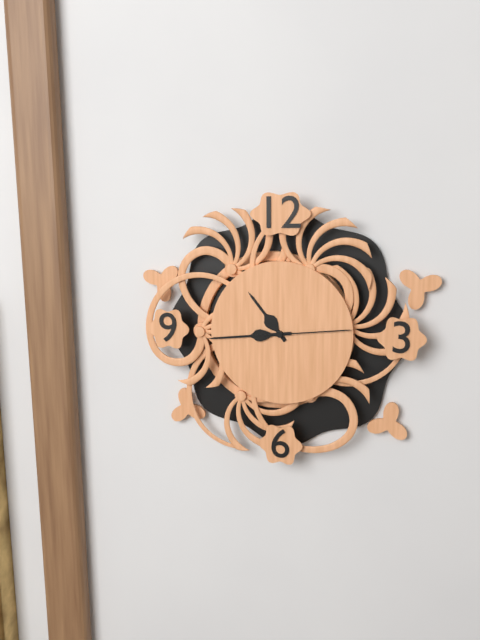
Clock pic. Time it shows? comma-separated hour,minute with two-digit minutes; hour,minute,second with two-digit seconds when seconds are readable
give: 10,44,14
